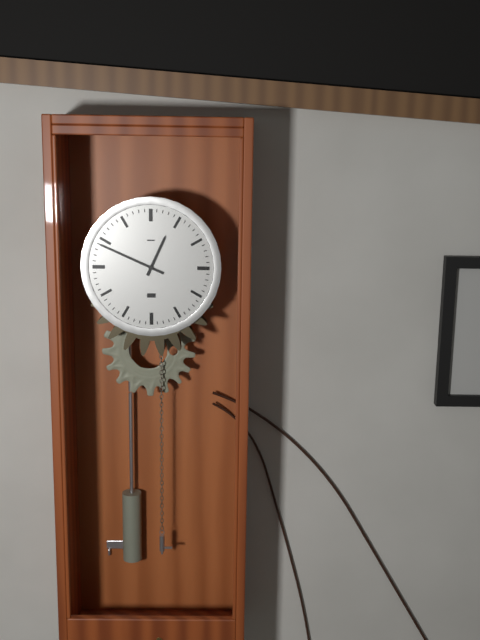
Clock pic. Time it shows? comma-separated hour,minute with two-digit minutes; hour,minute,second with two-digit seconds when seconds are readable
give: 12,49
